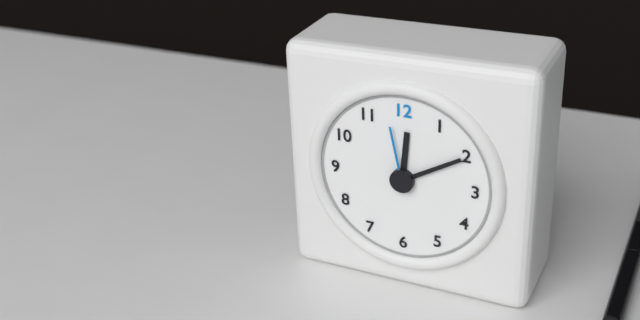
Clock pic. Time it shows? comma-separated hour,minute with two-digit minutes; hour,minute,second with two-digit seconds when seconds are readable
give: 12,10,58
